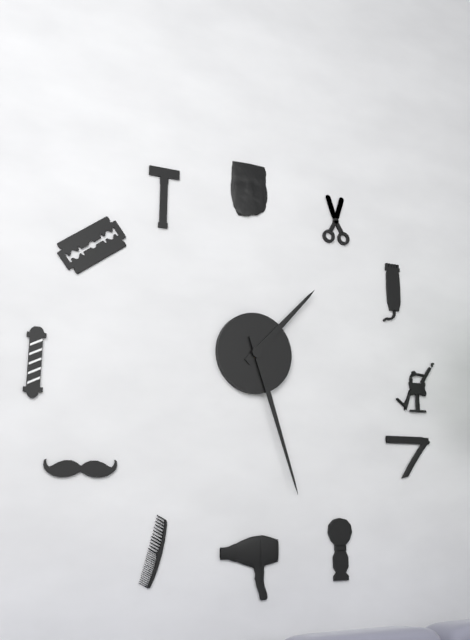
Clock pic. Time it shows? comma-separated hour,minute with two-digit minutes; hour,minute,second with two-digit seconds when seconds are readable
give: 1,27
